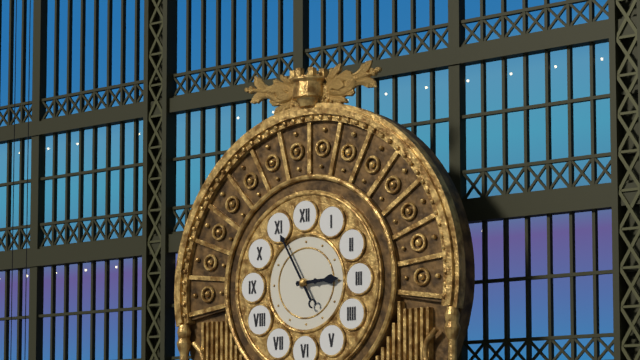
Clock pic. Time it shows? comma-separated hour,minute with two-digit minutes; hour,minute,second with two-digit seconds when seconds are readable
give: 2,55
